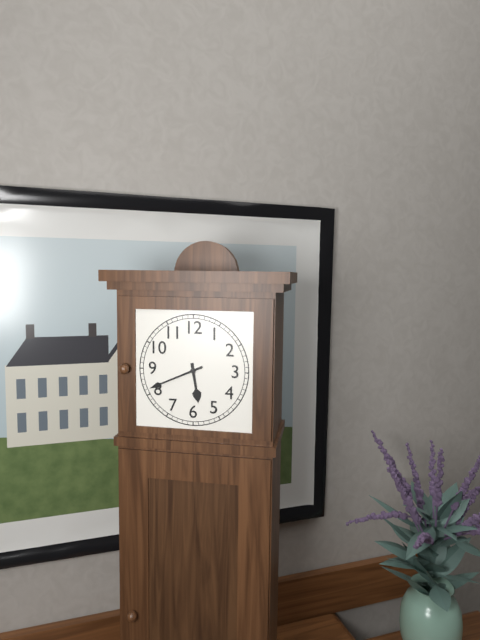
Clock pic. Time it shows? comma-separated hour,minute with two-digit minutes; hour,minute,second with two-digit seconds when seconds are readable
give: 5,41
